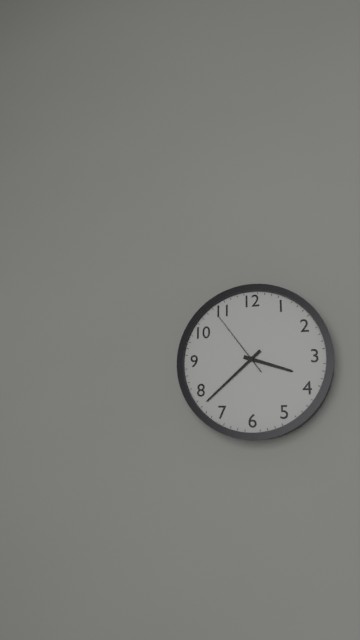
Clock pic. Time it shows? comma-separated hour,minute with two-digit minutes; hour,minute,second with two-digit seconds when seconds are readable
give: 3,38,54
